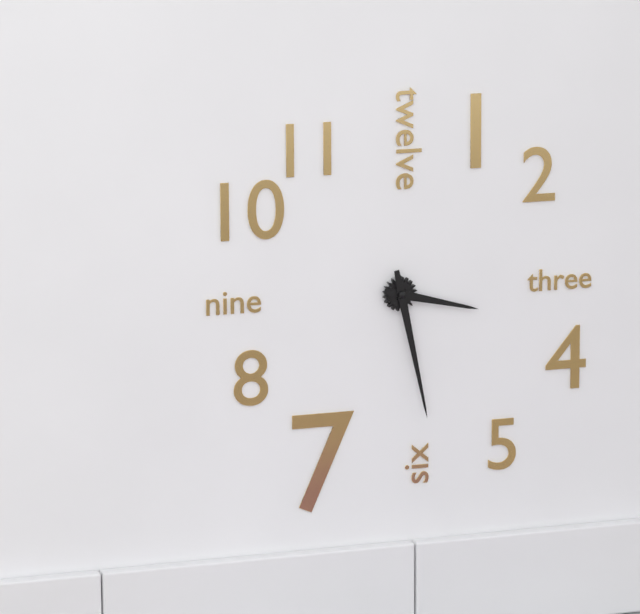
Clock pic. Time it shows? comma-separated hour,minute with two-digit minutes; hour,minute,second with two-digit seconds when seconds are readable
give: 3,28
